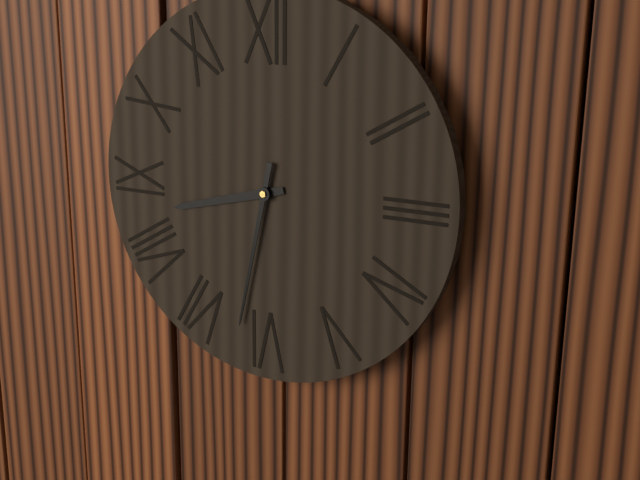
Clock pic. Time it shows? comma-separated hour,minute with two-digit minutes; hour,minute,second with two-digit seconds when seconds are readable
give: 8,32
